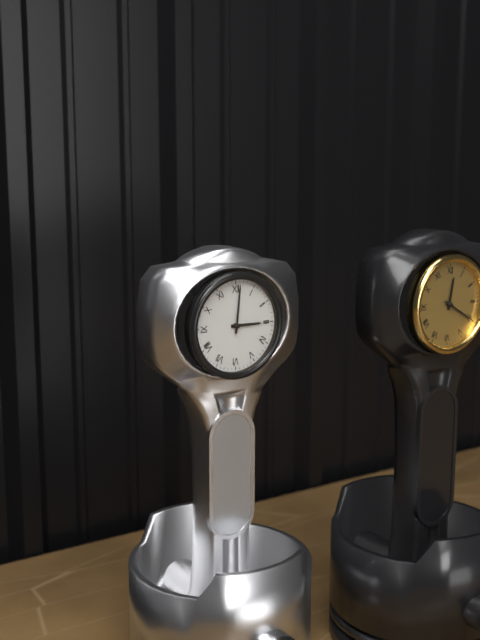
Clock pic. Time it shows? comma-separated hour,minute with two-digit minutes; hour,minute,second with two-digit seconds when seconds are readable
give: 3,01
